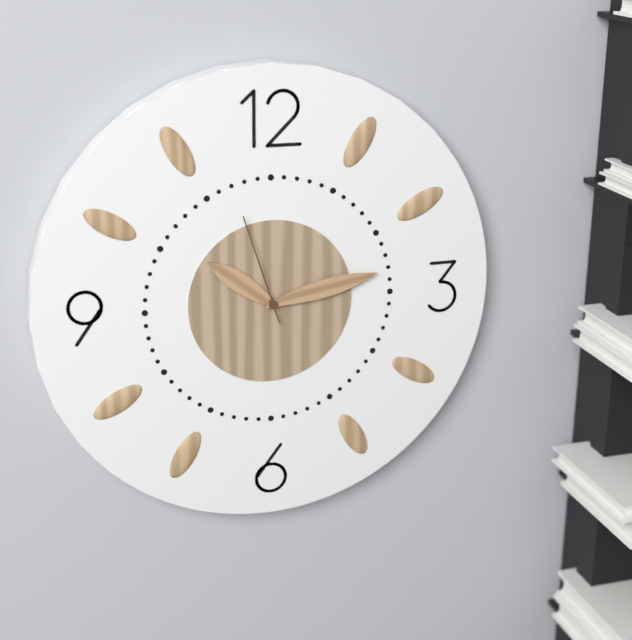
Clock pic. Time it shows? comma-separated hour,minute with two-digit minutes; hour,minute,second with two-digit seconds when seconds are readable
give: 10,13,57
